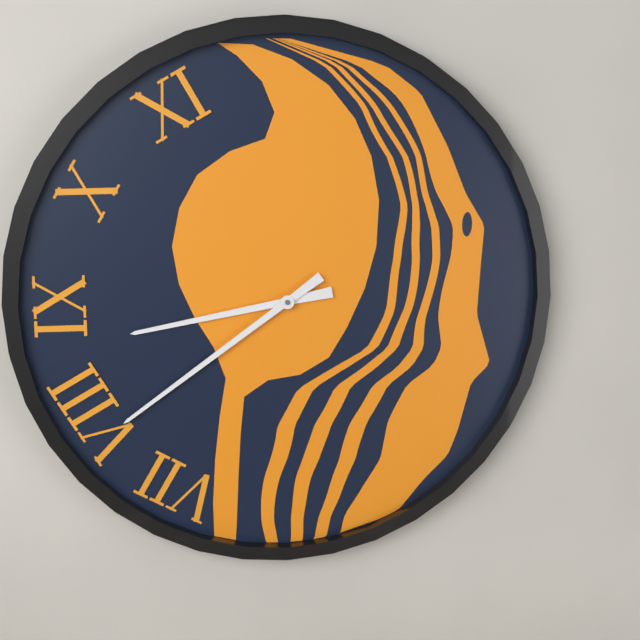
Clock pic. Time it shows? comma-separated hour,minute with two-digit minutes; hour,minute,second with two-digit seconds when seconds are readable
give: 8,39
